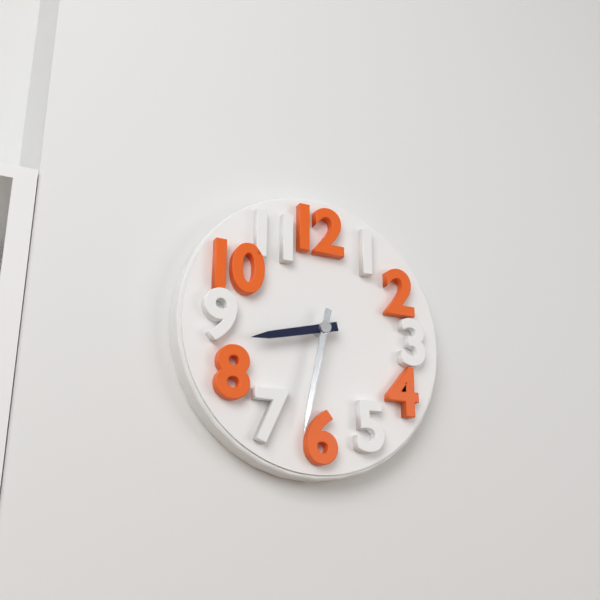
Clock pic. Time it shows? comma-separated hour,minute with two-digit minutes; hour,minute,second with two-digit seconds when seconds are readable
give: 8,32
